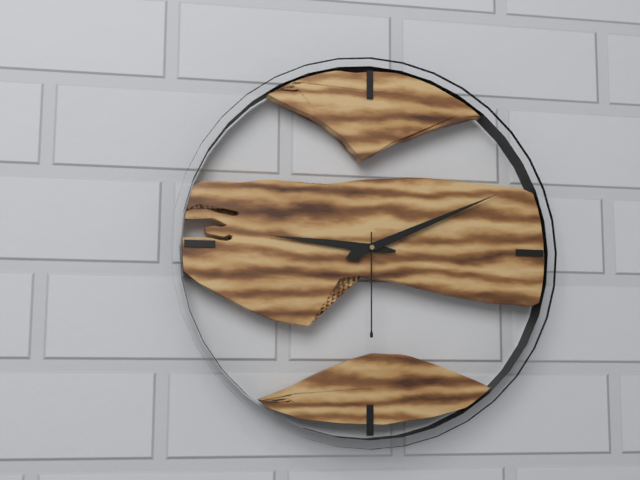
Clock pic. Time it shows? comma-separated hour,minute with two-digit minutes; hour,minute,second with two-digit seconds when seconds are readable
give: 9,11,30
